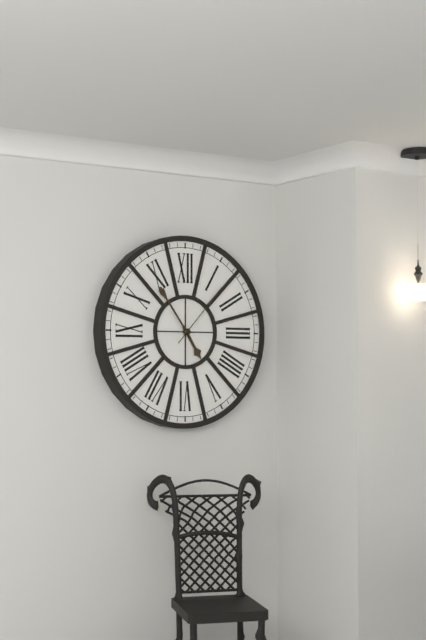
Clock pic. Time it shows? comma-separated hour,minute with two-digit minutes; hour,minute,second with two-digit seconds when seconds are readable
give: 4,54,07
